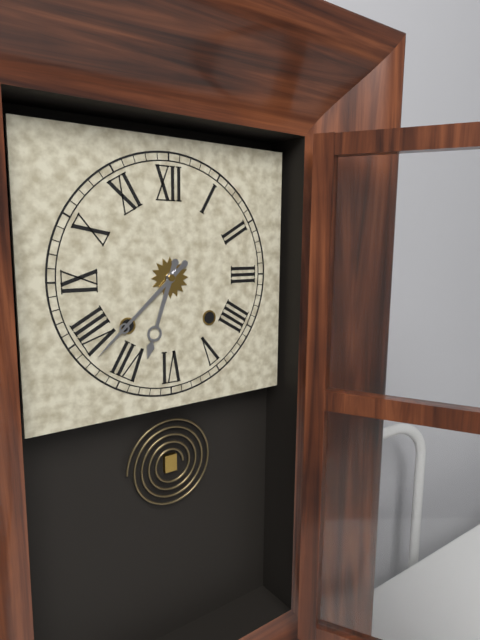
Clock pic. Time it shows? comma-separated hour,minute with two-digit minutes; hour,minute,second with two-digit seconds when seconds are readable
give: 6,38
